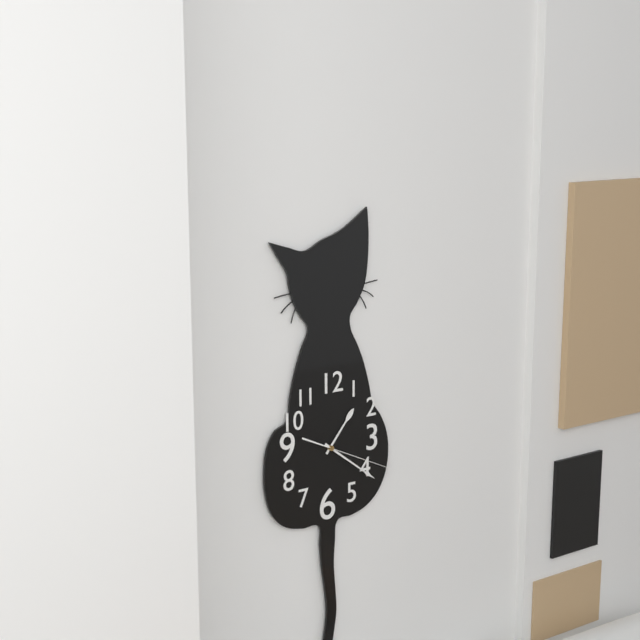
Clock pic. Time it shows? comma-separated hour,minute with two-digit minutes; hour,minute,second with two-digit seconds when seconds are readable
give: 1,21,19
